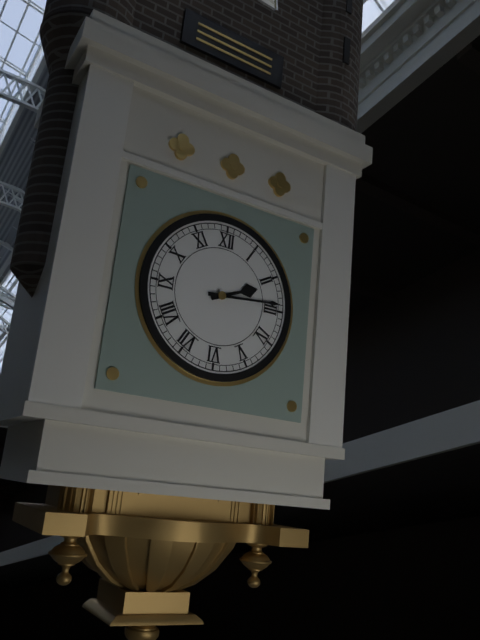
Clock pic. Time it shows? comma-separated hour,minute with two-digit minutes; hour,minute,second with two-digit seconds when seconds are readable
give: 2,14
